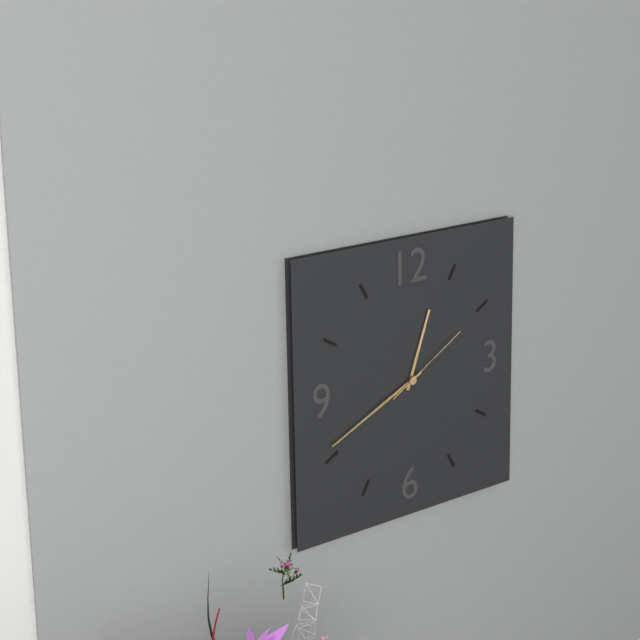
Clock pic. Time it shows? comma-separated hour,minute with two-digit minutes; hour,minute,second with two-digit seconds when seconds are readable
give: 12,41,10
